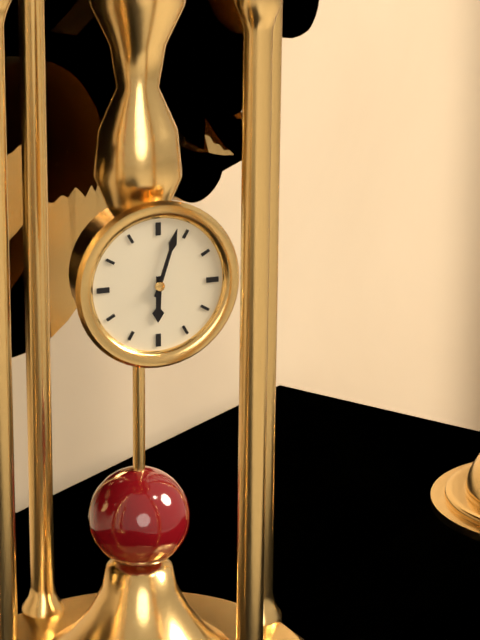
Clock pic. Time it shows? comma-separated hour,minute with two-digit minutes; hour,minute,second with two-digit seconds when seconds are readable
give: 6,03
